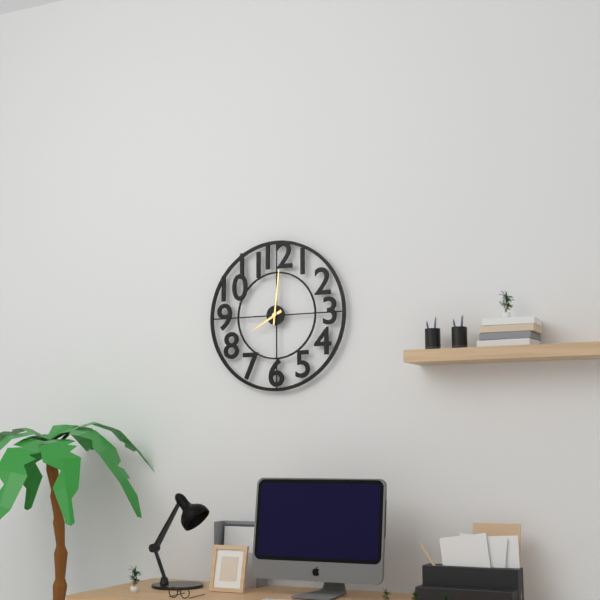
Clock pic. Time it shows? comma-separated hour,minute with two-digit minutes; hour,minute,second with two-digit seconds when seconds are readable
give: 8,01
